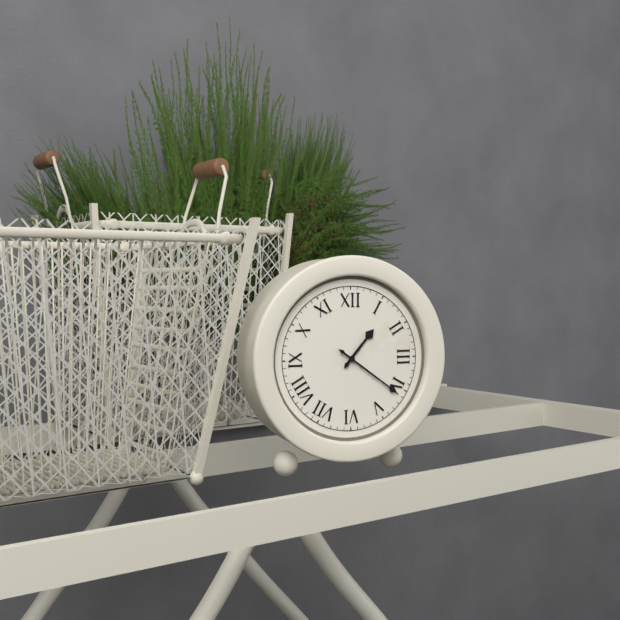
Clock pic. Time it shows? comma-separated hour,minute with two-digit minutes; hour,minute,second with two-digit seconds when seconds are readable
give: 1,21
